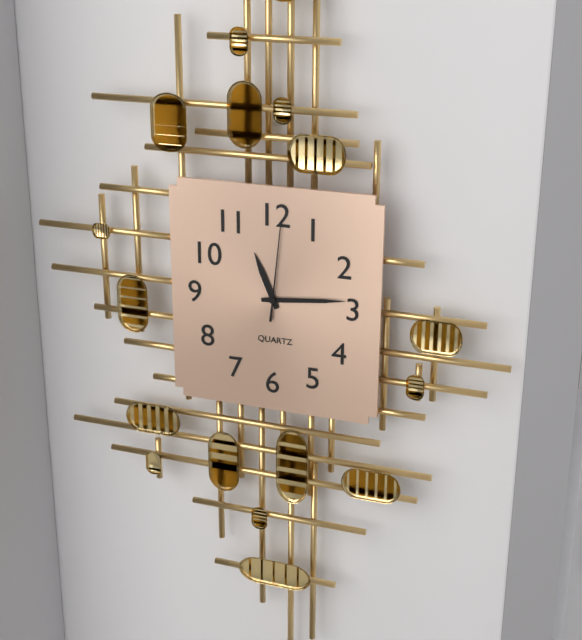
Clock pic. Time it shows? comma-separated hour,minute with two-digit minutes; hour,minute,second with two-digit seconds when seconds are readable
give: 11,14,01
